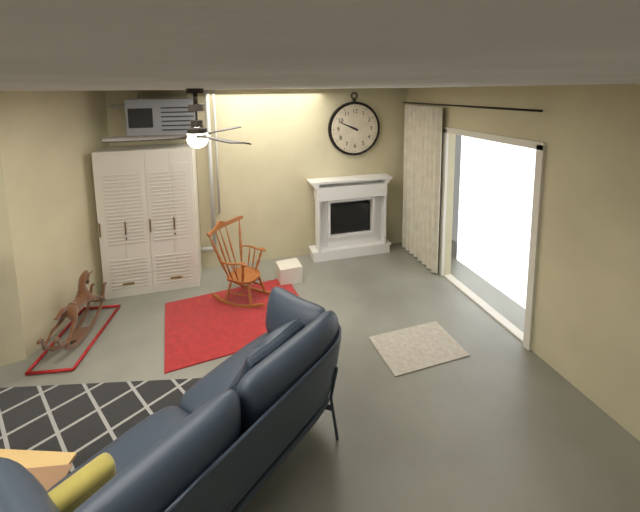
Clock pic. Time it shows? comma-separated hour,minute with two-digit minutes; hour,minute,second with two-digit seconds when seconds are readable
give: 9,49
